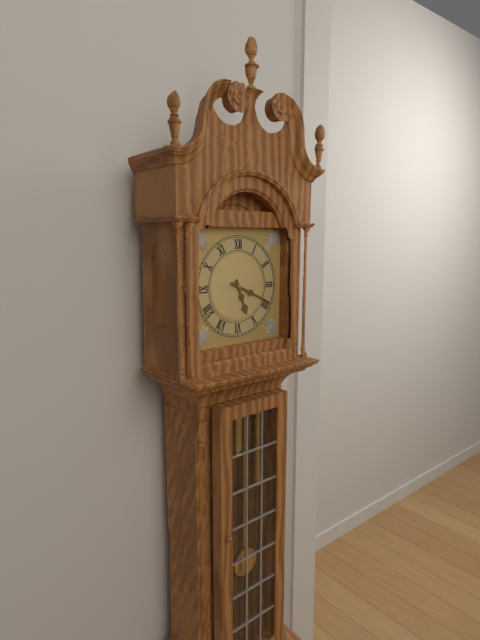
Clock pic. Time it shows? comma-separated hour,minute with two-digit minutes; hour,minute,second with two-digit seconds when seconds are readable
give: 5,19
